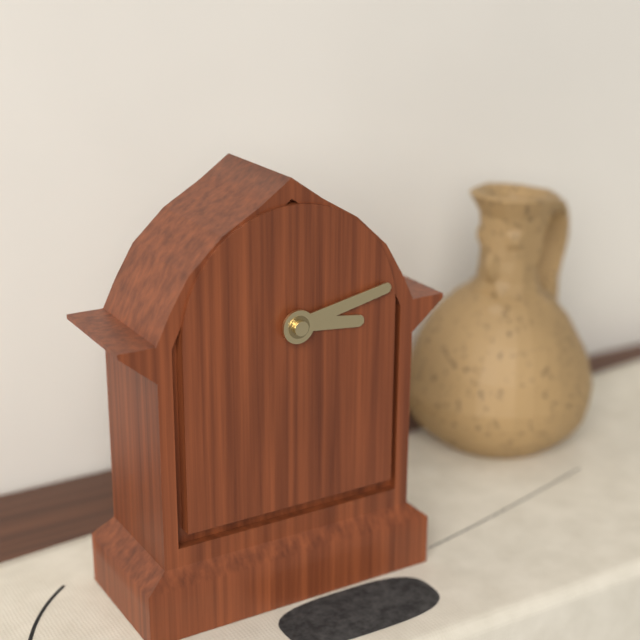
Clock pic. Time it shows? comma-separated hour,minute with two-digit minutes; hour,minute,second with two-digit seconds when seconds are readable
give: 3,13
